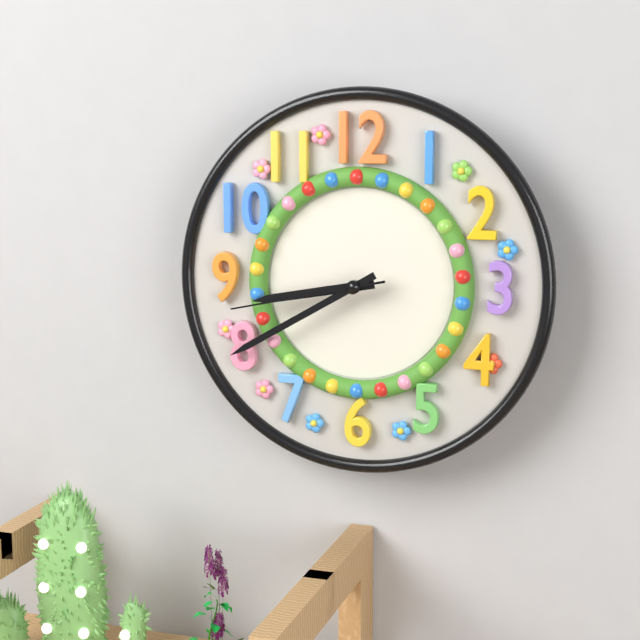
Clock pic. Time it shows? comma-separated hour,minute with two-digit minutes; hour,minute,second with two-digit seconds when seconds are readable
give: 8,40,43
